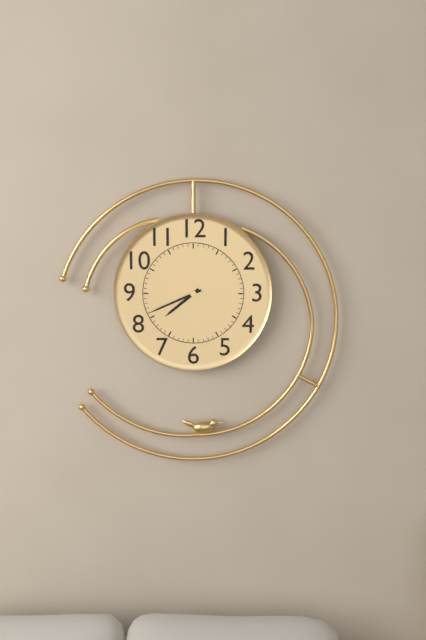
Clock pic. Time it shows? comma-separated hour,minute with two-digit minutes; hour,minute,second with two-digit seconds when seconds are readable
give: 7,41
